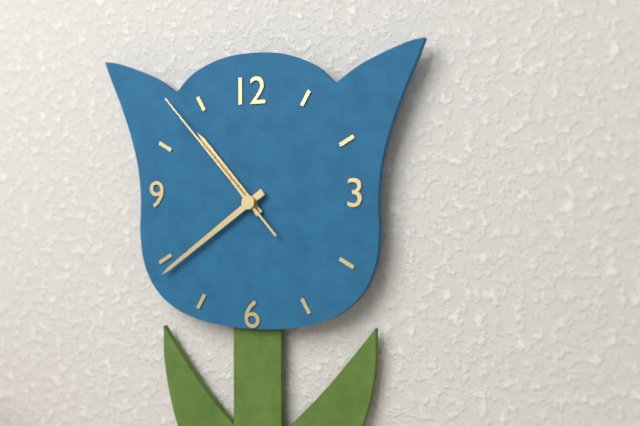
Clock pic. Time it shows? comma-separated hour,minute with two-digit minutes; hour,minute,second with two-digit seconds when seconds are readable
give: 10,39,53
